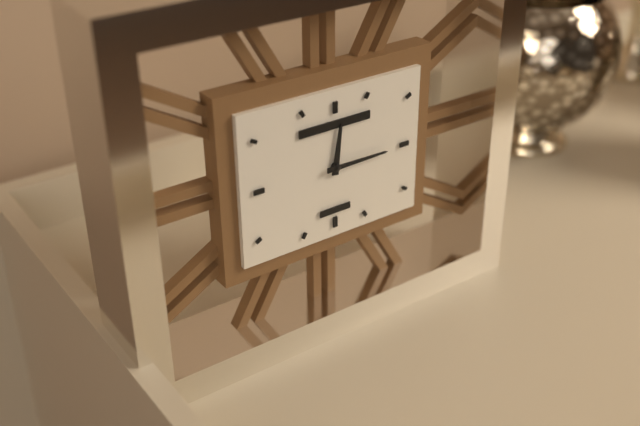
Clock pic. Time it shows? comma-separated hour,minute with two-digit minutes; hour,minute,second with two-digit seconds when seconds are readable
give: 12,15
